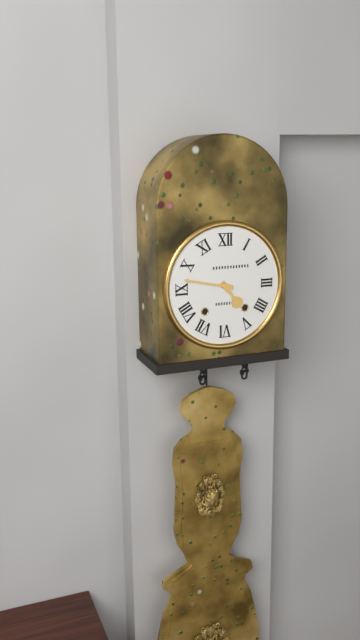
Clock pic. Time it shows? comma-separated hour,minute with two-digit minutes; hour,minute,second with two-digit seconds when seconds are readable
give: 4,47
